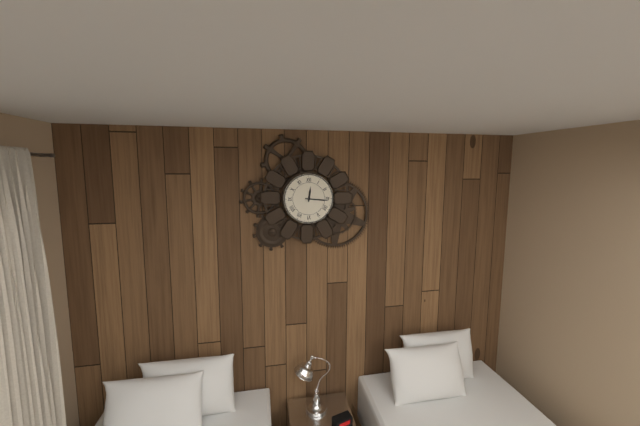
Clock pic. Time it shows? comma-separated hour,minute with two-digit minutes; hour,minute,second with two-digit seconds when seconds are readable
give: 12,16
